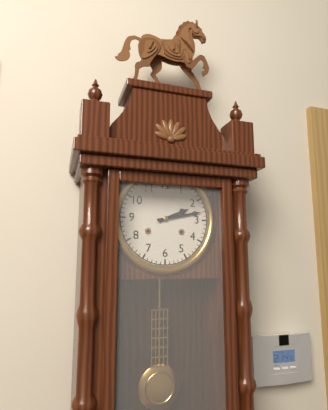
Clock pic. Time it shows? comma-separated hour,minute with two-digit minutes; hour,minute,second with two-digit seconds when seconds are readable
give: 2,13
